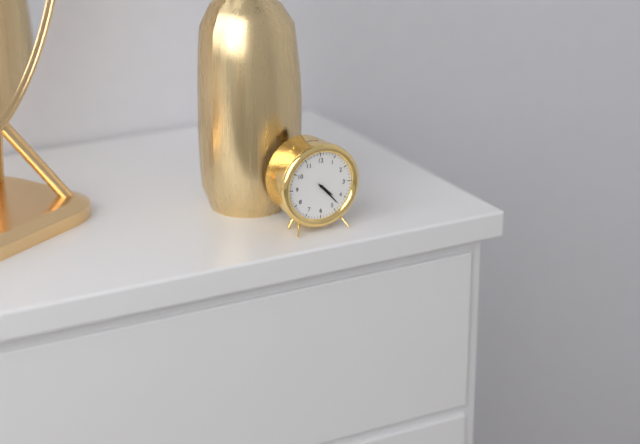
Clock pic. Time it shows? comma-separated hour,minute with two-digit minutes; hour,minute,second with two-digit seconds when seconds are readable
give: 4,23
